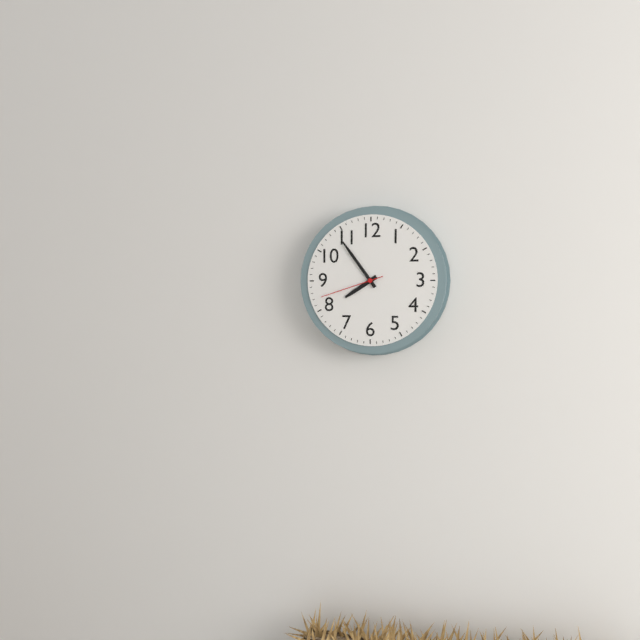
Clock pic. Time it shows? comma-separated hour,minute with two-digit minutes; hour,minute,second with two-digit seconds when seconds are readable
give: 7,54,42
